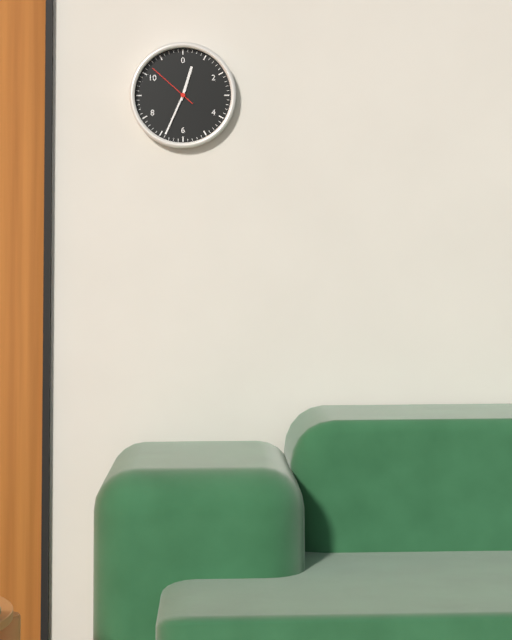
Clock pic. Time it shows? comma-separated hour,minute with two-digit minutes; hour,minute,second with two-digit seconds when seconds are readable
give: 12,34,52
